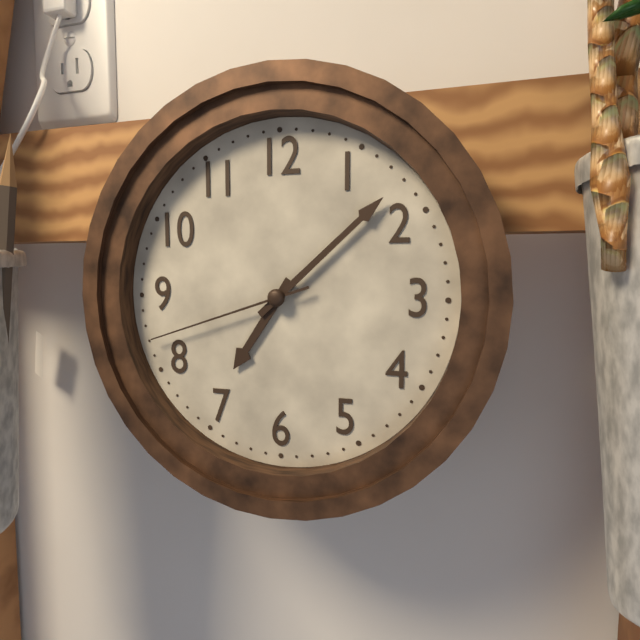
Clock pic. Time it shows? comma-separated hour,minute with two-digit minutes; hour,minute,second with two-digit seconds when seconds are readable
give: 7,08,42
